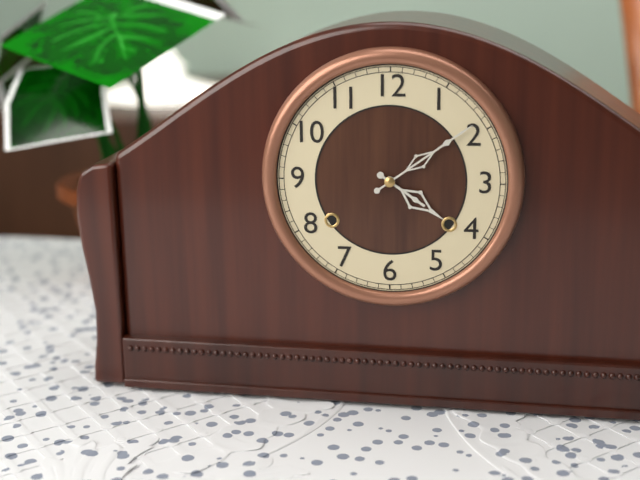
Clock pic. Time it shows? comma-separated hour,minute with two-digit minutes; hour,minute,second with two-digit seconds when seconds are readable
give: 4,09
